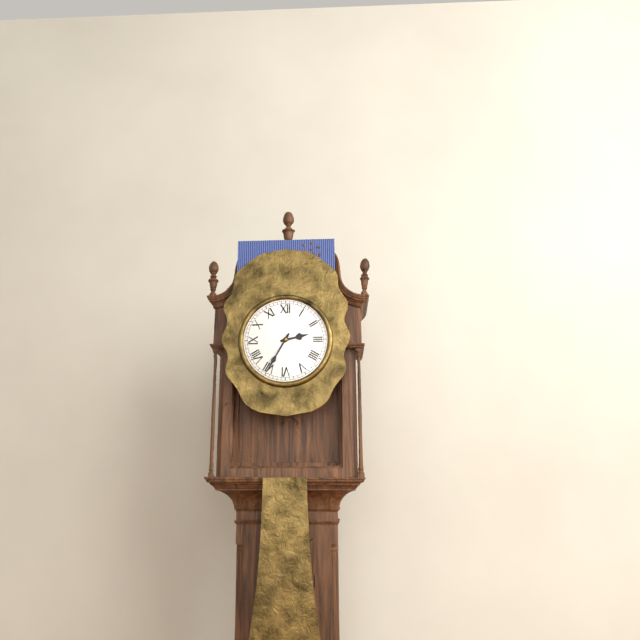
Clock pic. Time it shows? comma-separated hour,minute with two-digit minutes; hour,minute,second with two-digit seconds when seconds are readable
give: 2,35
